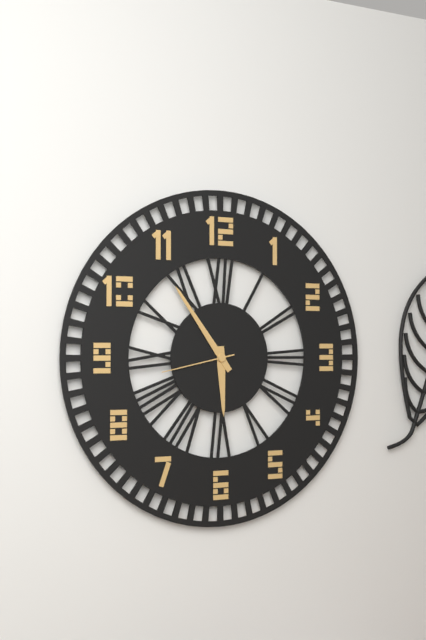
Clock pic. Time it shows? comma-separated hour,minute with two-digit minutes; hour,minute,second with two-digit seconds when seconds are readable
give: 5,54,43
